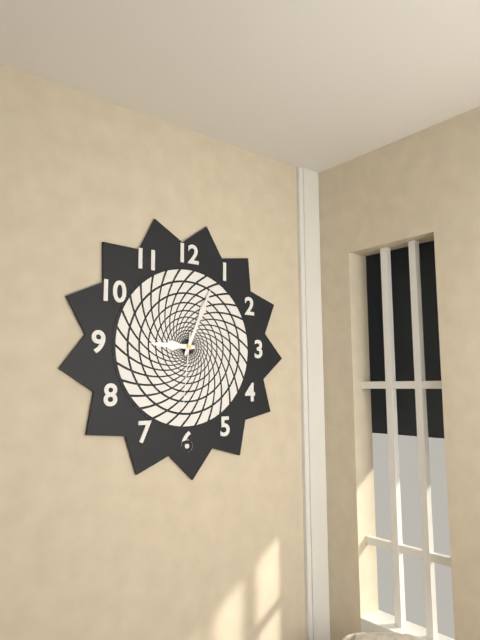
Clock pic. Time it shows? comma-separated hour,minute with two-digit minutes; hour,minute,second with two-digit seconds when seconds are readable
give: 9,04,31
